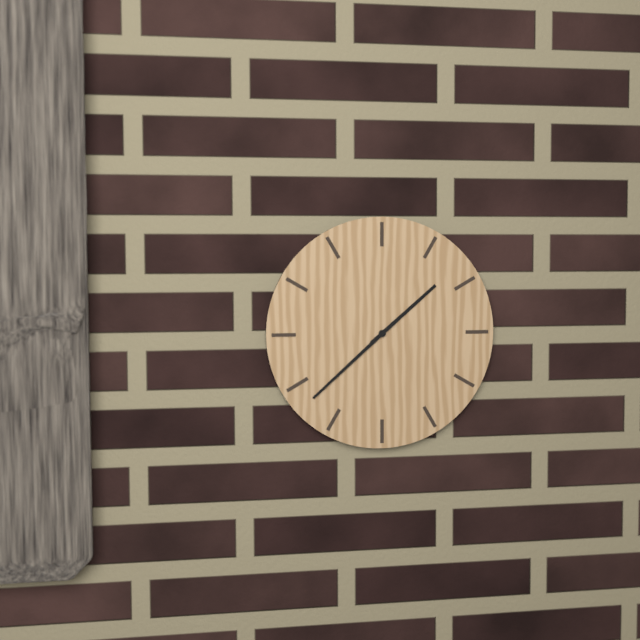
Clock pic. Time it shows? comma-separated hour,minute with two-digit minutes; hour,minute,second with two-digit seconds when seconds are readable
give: 1,38
